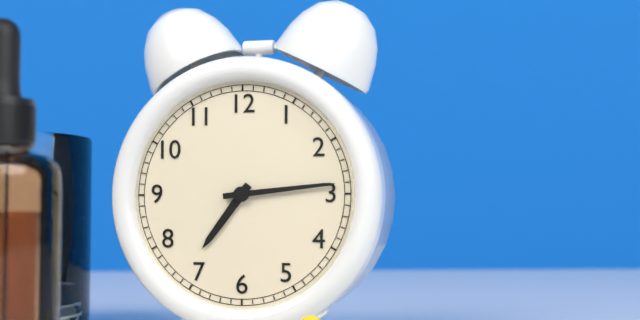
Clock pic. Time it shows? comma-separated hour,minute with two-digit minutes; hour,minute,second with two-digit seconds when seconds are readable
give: 7,14
